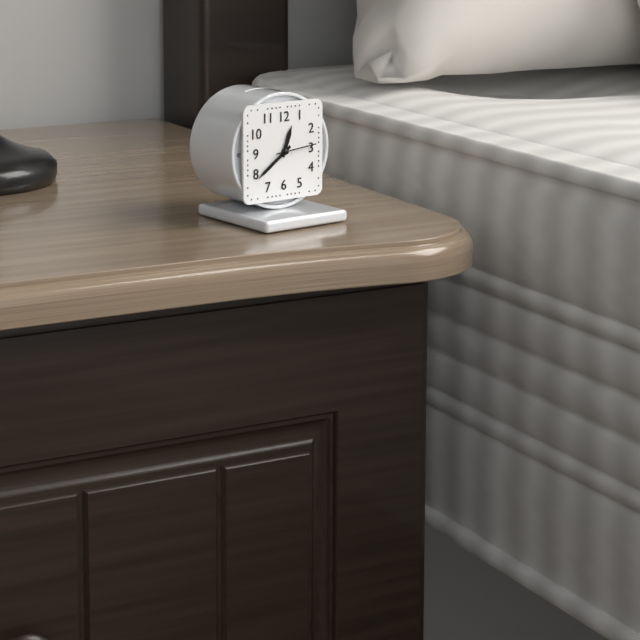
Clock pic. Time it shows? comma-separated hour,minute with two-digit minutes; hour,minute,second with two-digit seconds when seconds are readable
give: 12,39
